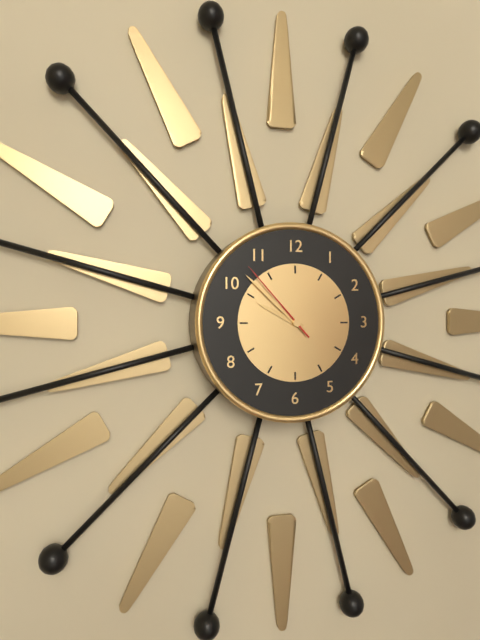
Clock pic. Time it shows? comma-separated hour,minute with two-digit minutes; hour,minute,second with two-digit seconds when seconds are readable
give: 9,52,53
